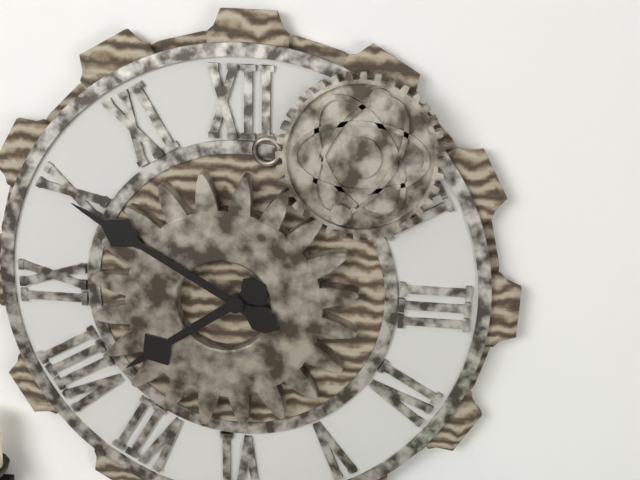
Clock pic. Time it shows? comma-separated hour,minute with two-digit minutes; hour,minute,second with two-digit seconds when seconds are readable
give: 7,50
